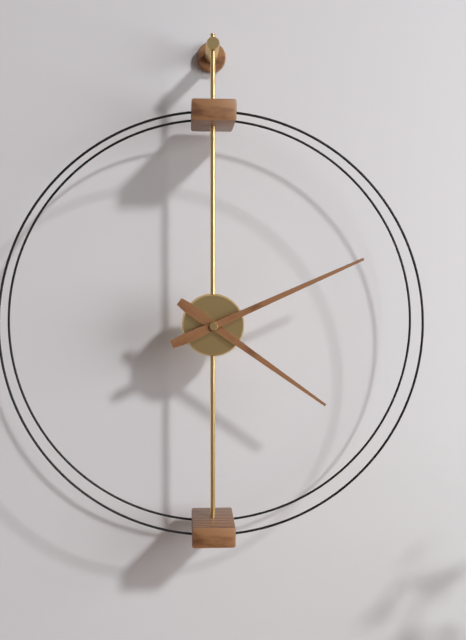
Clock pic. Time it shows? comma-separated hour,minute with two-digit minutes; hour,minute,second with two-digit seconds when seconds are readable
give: 4,11
